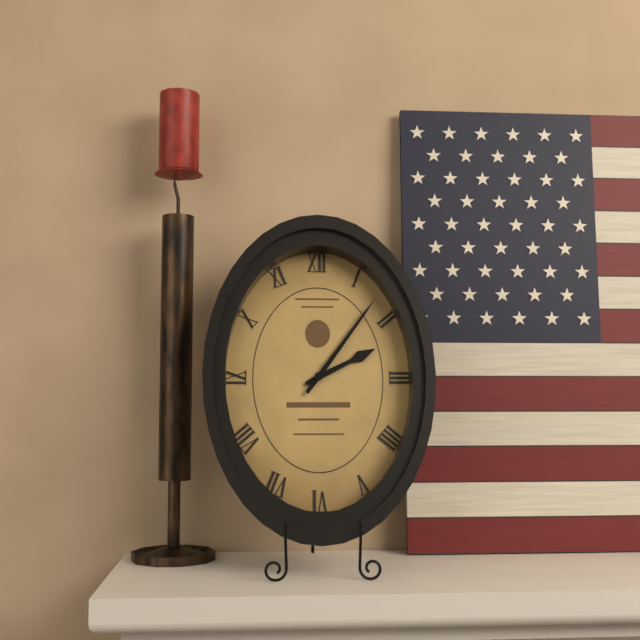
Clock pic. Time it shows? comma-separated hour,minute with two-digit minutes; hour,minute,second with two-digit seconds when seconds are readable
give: 2,06
